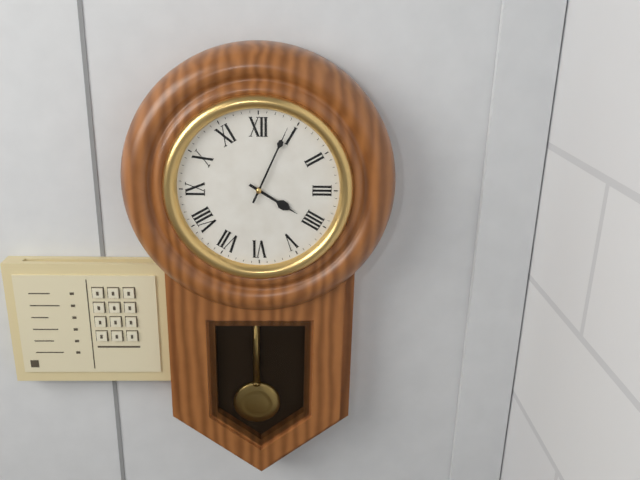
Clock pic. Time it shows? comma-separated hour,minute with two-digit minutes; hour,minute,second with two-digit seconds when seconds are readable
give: 4,04
